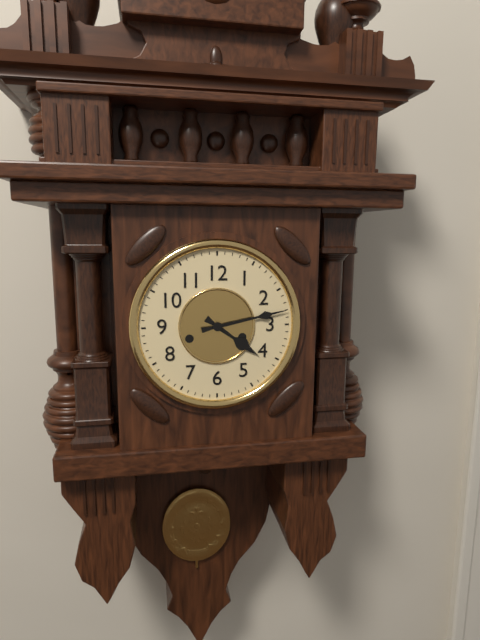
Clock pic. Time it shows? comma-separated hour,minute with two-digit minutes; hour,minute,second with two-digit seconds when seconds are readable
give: 4,13
